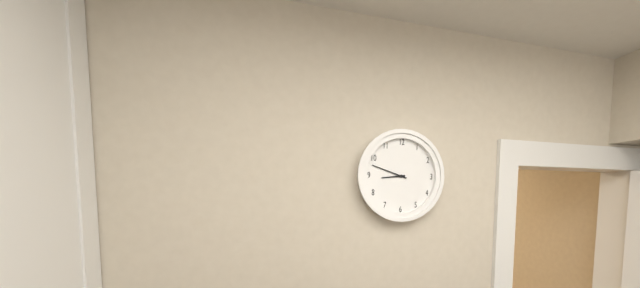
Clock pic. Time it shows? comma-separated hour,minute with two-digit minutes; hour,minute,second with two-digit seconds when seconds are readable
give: 8,48
